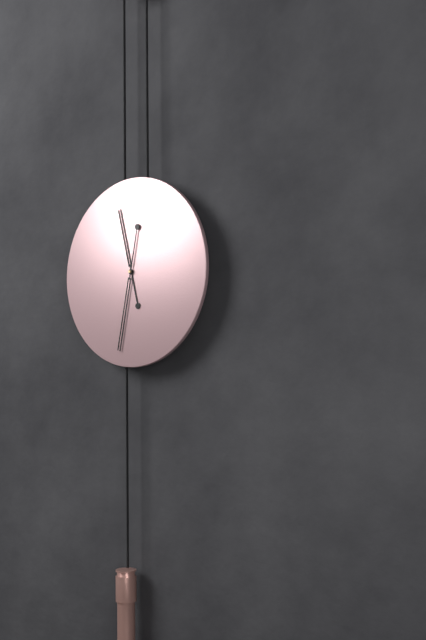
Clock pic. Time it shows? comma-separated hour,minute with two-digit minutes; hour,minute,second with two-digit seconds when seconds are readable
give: 11,32
